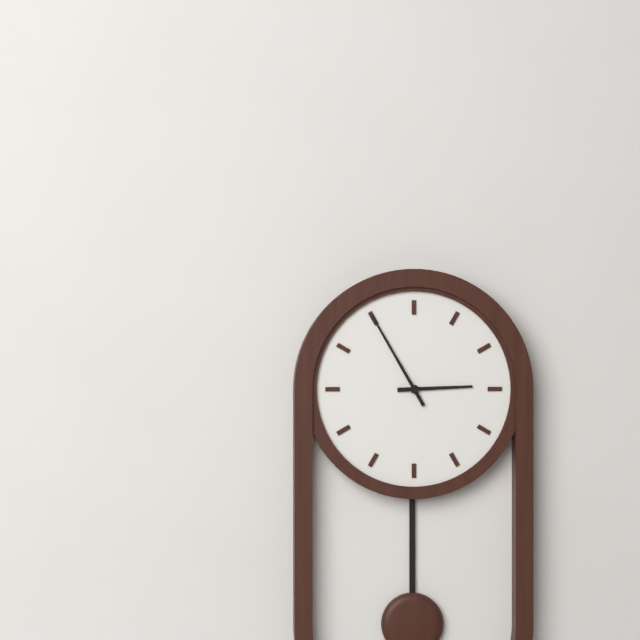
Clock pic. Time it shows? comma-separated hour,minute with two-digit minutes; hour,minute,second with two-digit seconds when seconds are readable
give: 2,55
